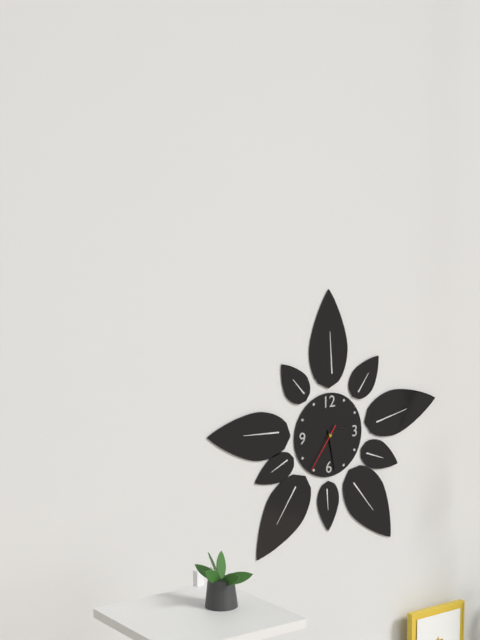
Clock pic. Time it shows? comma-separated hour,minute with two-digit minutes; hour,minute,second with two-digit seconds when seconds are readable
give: 2,28
